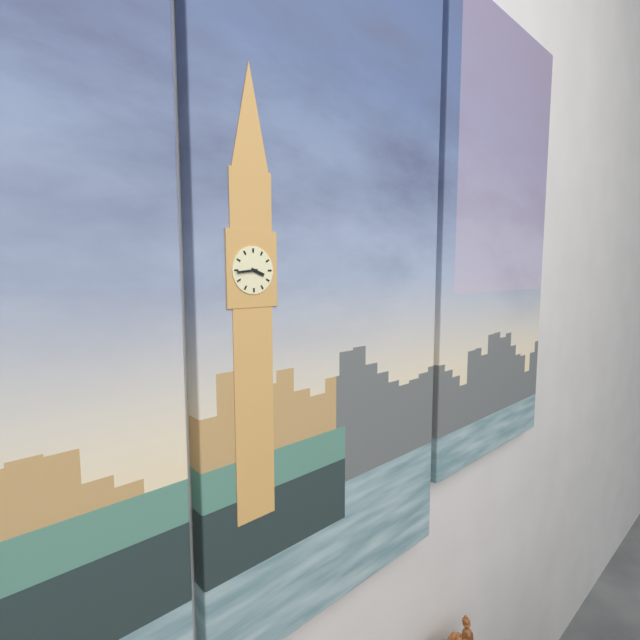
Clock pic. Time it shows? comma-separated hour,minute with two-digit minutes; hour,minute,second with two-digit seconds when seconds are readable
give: 3,44
